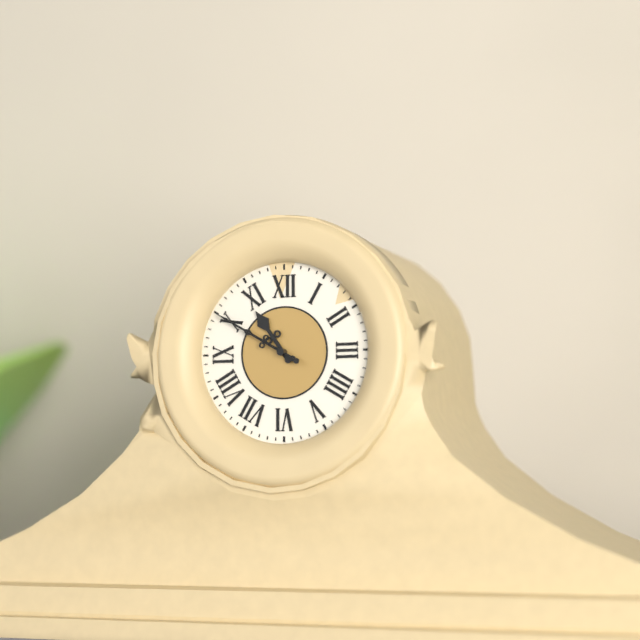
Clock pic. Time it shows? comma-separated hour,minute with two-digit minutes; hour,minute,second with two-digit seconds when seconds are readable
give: 10,50,50
